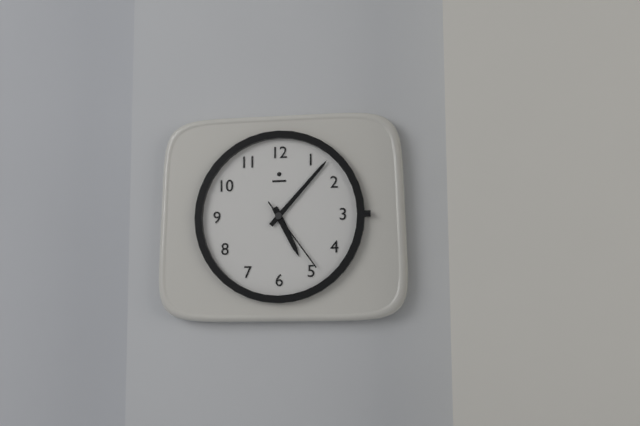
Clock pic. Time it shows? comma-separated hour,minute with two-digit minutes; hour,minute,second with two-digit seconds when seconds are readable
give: 5,07,24
